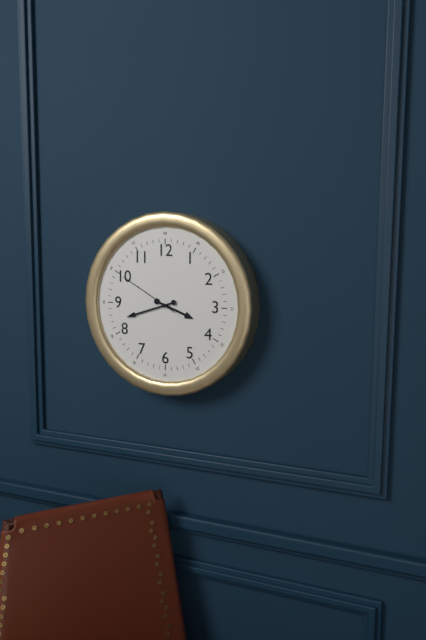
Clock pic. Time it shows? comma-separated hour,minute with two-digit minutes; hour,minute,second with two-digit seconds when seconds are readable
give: 3,42,50
